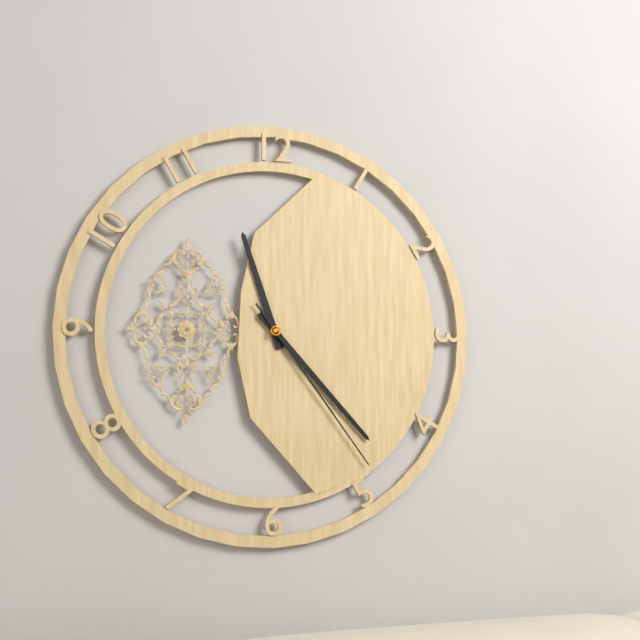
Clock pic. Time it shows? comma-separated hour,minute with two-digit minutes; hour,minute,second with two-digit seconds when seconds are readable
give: 11,23,24
